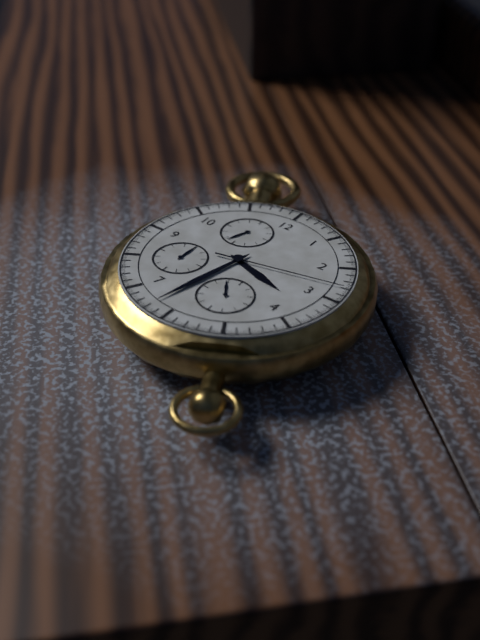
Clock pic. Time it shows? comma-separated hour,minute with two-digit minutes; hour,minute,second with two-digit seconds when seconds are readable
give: 3,32,13
